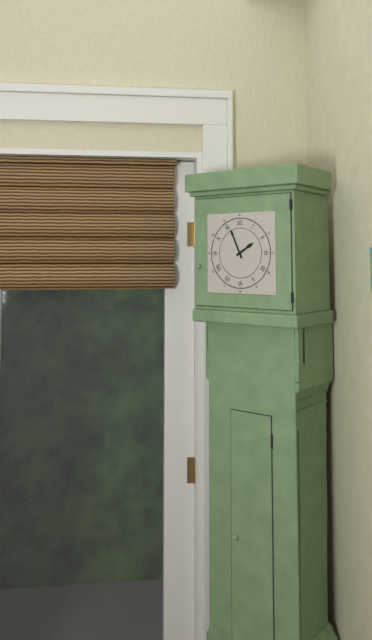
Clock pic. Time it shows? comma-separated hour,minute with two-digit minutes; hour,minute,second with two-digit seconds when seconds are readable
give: 1,56
